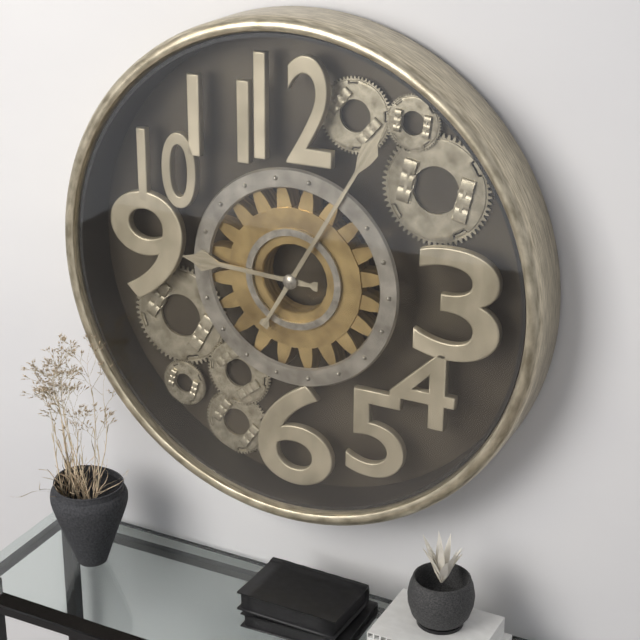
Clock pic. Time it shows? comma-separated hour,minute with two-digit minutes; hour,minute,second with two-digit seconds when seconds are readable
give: 9,05
